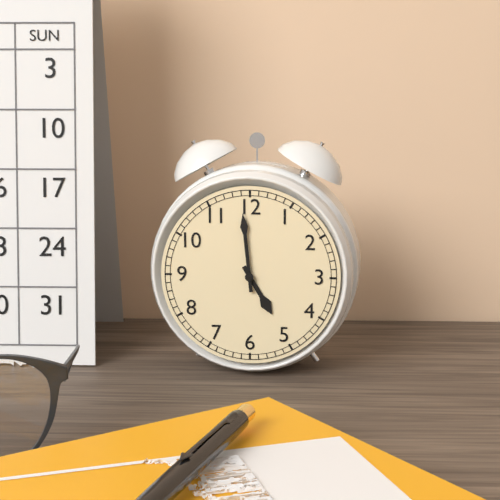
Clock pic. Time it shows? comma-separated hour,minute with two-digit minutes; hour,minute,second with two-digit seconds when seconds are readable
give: 4,59
